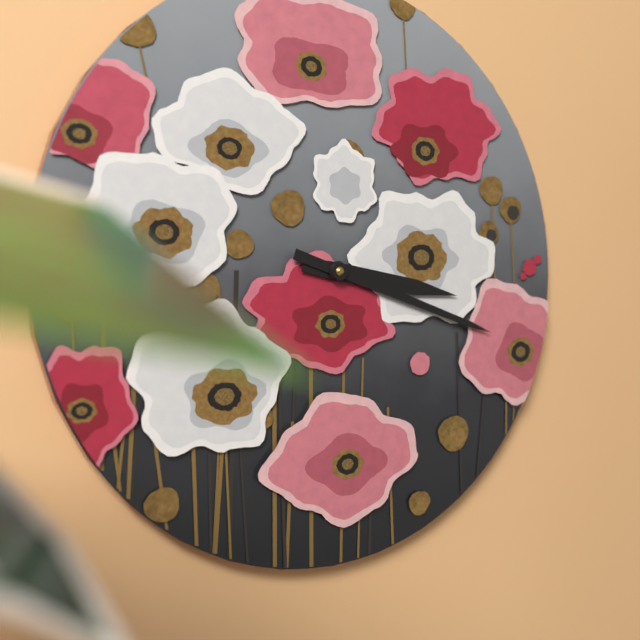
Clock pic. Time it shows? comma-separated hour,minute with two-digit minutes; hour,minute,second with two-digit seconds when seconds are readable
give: 3,18
